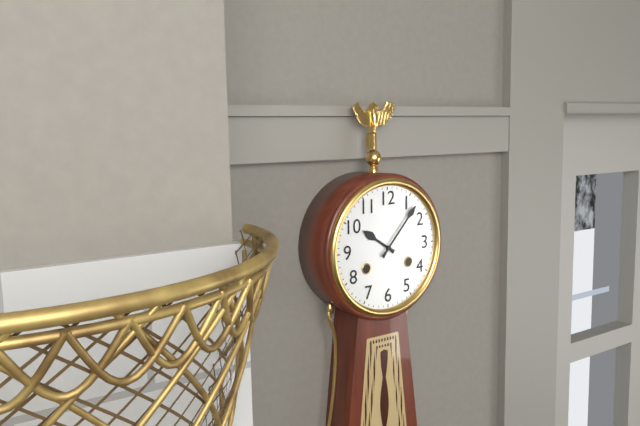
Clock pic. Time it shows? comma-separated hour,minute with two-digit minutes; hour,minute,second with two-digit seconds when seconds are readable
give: 10,07
